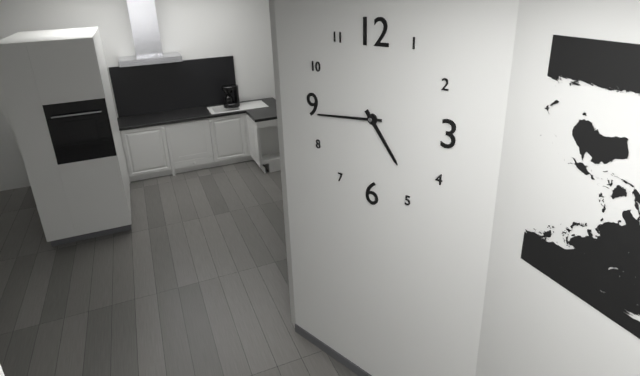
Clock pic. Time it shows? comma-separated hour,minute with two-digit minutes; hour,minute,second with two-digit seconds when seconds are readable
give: 4,44
